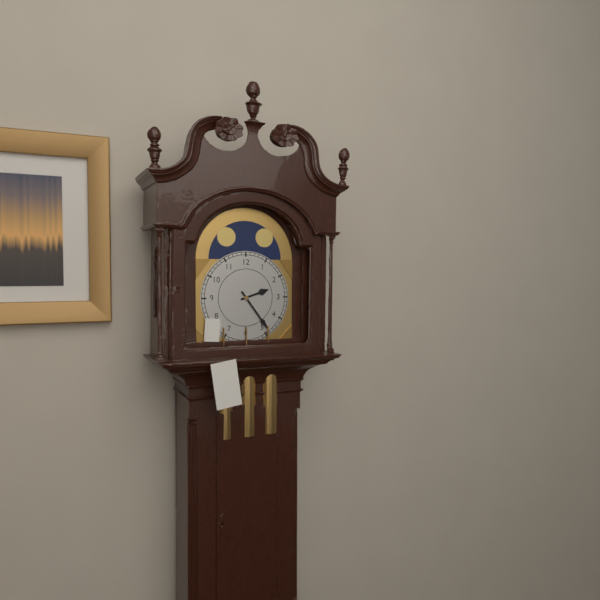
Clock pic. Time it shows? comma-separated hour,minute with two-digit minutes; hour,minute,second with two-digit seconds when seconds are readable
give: 2,24
